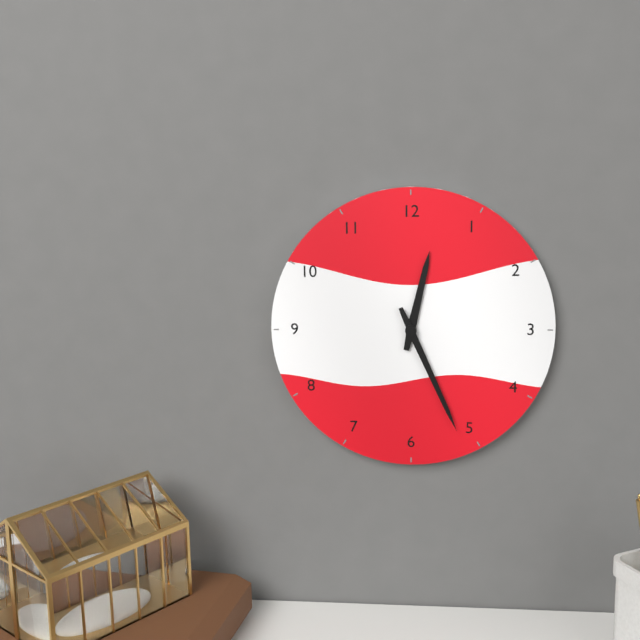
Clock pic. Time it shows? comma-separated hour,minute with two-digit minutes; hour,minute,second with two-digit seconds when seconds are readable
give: 12,26
